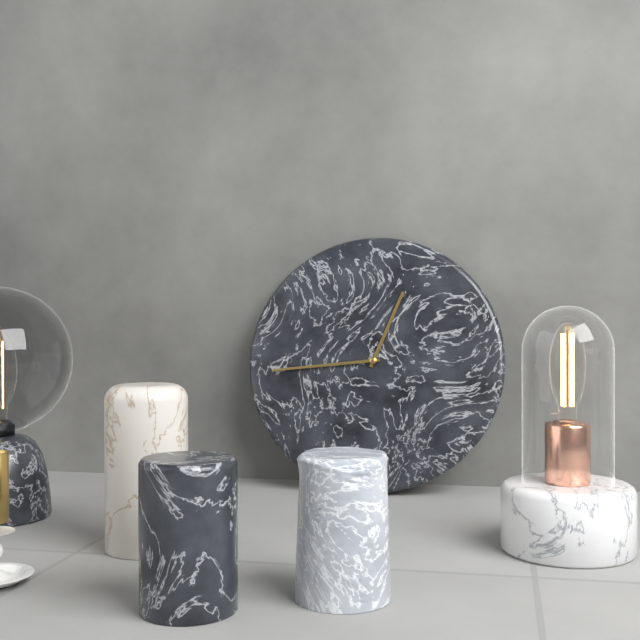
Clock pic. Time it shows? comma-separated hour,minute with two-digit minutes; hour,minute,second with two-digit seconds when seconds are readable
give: 12,44
